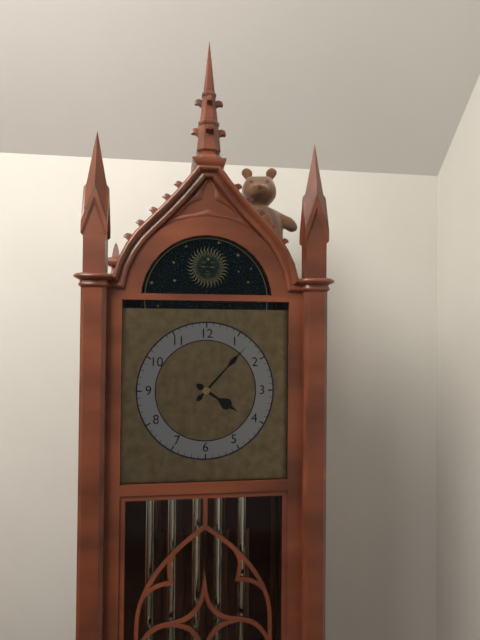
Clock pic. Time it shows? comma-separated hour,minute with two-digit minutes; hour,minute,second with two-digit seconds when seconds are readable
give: 4,07
